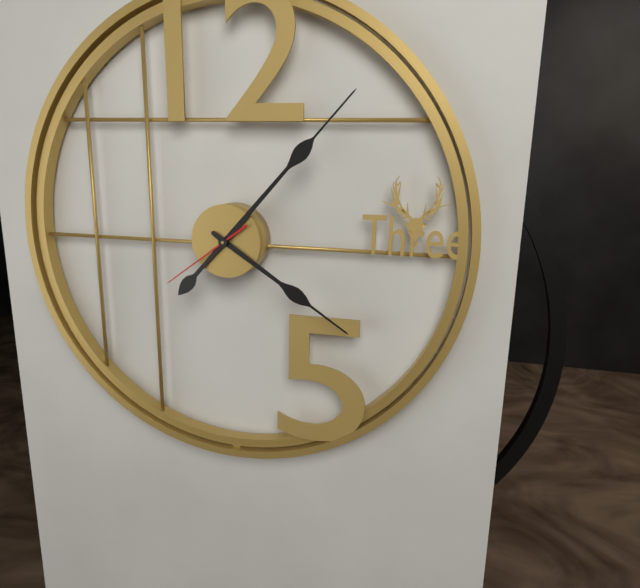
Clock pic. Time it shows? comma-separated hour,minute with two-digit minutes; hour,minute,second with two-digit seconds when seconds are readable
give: 4,07,39
